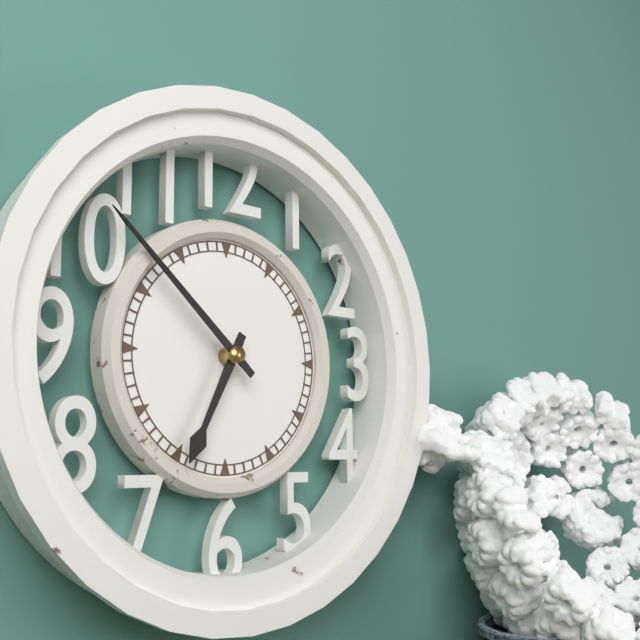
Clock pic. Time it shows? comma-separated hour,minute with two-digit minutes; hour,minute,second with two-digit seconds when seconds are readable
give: 6,52
